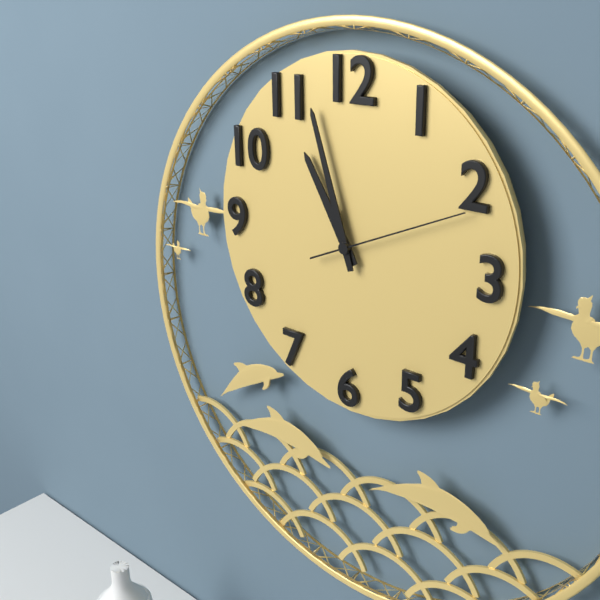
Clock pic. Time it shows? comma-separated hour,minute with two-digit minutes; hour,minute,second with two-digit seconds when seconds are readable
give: 10,57,11
